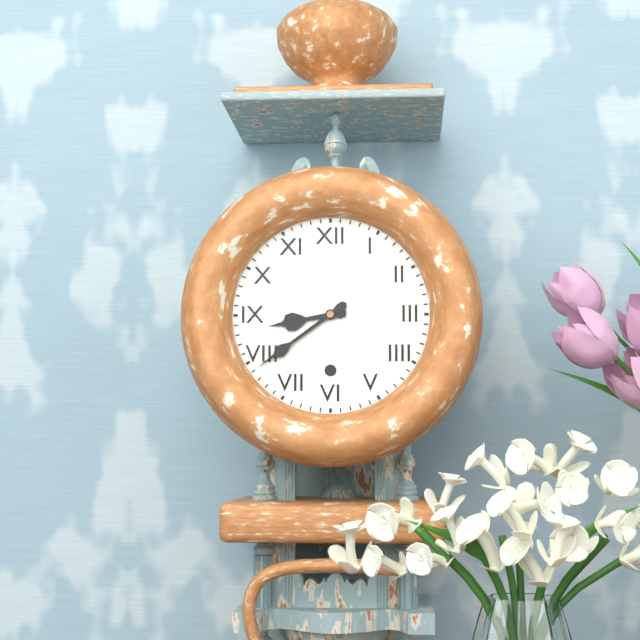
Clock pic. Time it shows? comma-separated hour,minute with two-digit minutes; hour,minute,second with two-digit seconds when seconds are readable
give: 8,39
